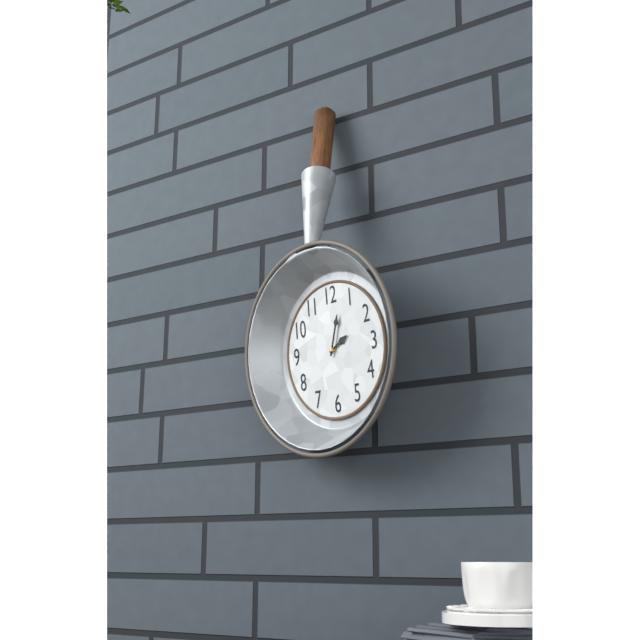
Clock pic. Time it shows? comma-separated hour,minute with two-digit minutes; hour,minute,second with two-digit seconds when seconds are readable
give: 2,03
